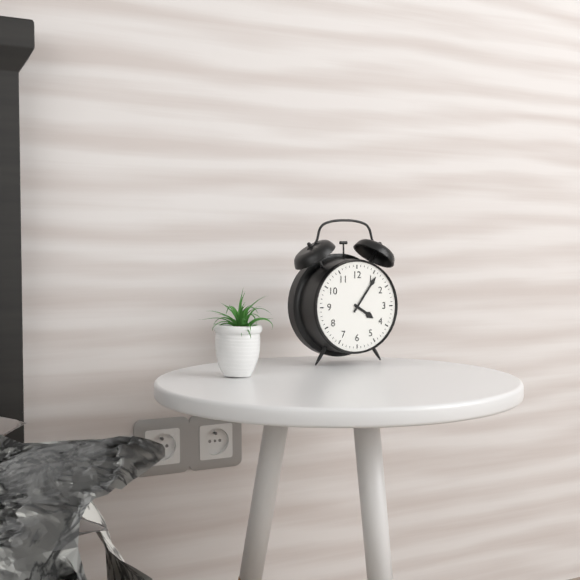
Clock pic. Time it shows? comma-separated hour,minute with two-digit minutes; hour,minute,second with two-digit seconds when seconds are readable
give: 4,06
